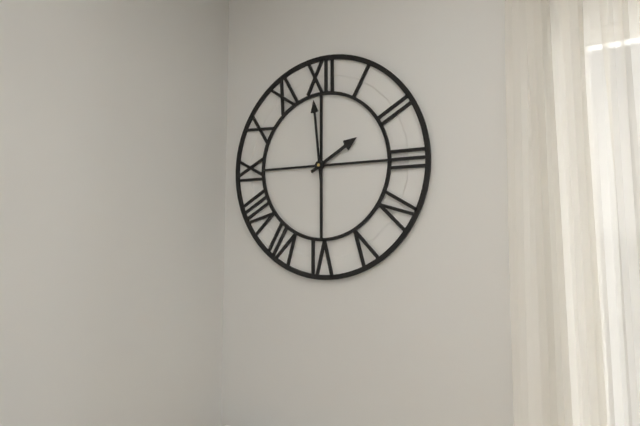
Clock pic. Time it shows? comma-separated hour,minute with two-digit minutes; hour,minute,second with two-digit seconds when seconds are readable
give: 1,59
